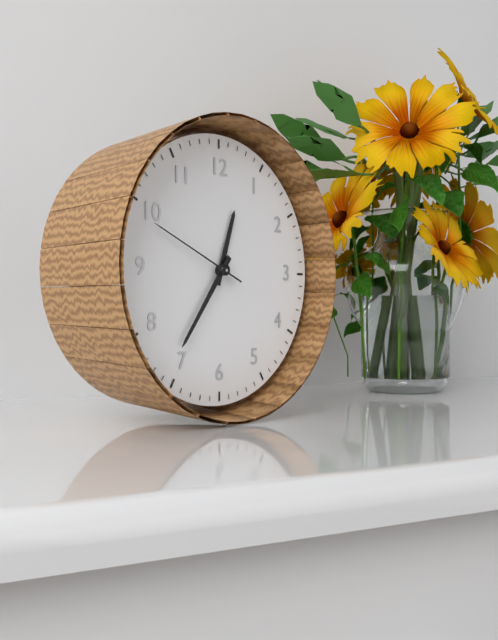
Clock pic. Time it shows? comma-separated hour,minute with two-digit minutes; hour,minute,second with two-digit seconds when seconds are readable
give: 12,36,49
